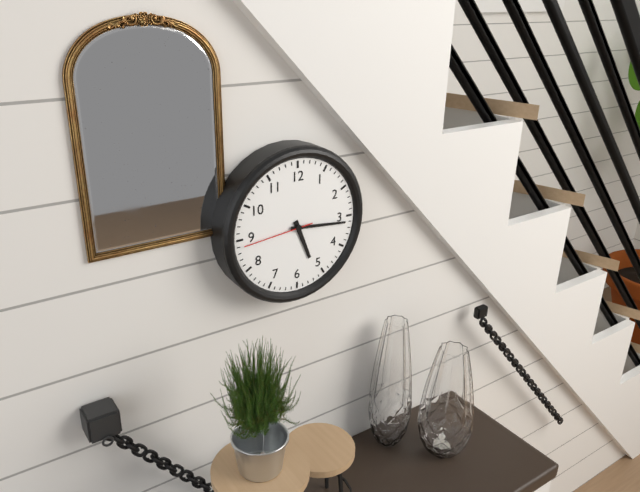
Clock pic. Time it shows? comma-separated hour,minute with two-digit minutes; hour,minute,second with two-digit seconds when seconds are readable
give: 5,16,44
